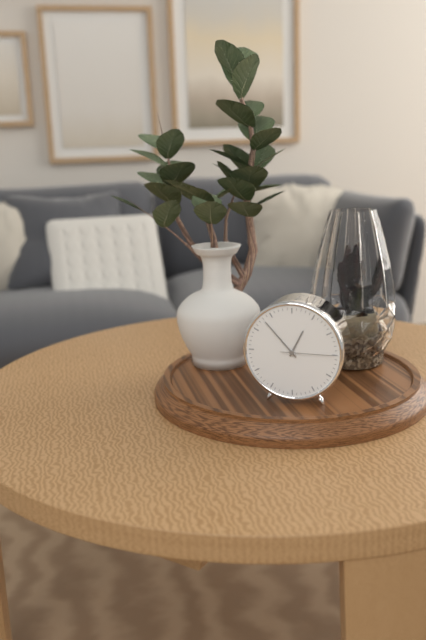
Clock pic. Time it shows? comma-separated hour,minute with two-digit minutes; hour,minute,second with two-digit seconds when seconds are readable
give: 12,53,15
